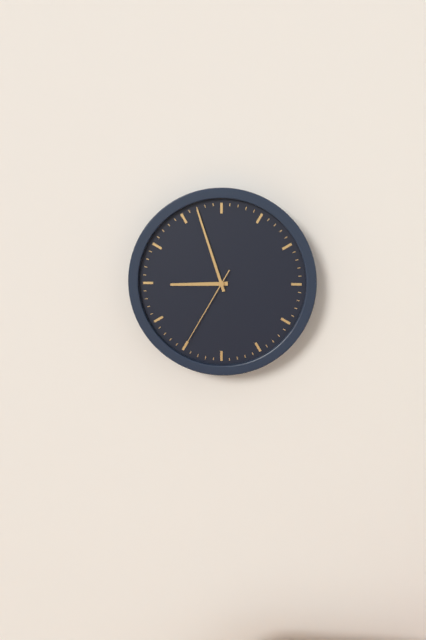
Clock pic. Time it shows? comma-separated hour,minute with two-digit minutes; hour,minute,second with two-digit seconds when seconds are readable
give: 8,57,35
